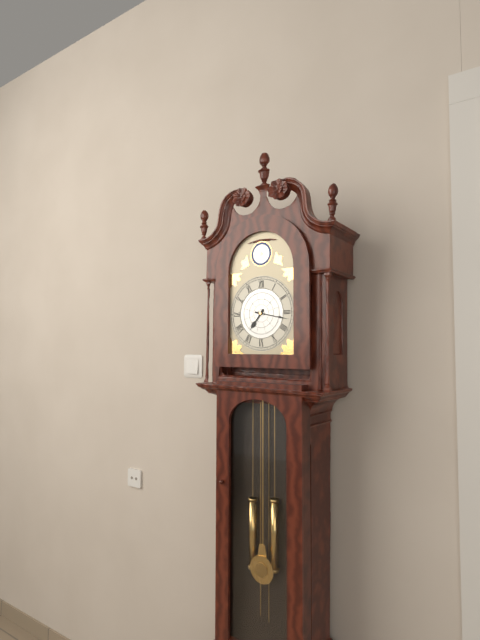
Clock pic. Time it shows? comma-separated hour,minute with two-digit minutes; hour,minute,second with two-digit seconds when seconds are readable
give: 7,17
